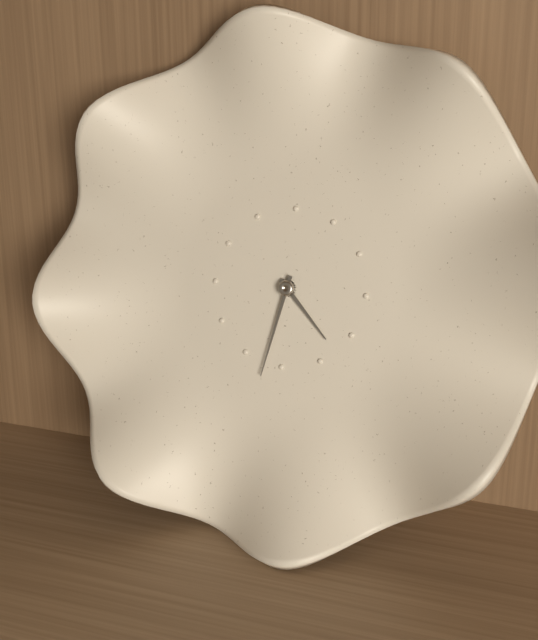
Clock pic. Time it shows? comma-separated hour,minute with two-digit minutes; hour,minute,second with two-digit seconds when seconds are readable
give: 4,32
